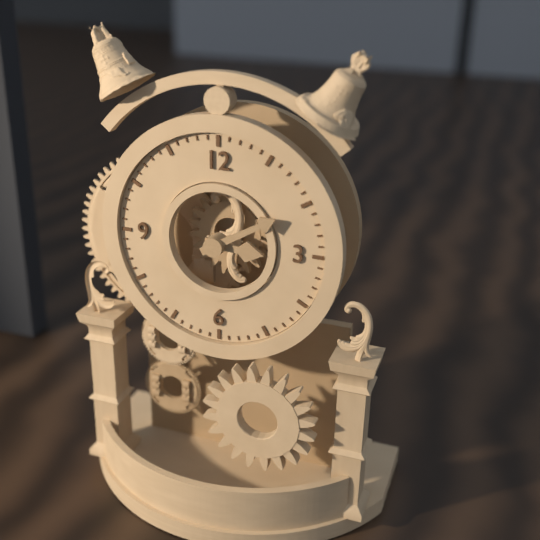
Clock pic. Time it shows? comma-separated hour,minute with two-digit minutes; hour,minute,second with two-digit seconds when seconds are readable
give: 3,10
